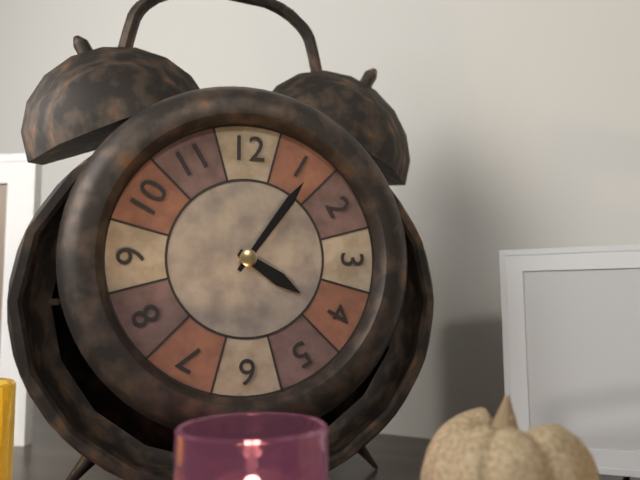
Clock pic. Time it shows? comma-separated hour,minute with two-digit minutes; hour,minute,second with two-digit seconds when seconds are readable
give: 4,06
